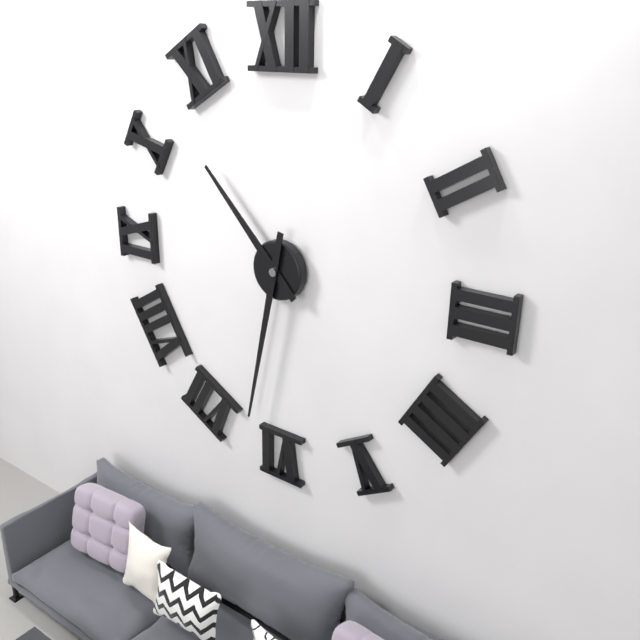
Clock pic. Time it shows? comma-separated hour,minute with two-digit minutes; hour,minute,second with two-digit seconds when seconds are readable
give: 10,32
